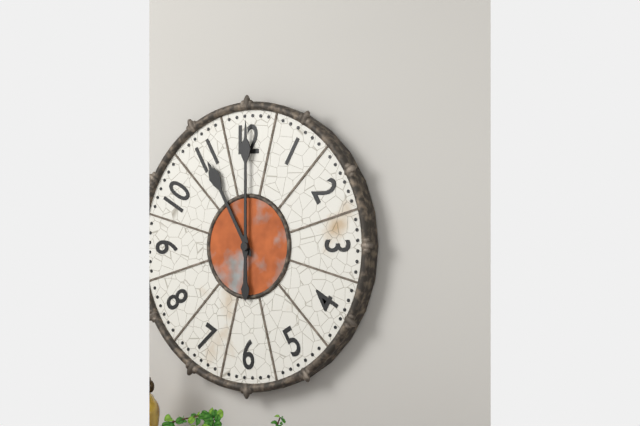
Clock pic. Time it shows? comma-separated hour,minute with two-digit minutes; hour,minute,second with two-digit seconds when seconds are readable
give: 11,00
